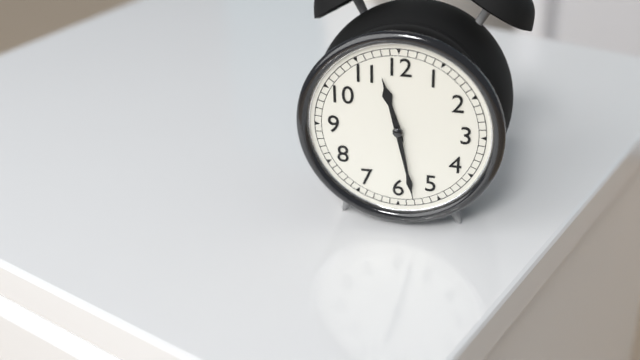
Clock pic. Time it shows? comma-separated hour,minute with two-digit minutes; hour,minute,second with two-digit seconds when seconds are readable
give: 11,28
